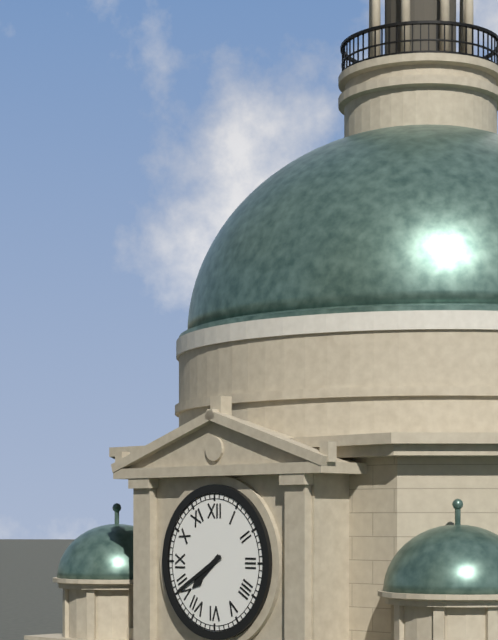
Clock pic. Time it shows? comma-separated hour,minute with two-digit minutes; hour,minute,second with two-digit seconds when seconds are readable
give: 7,40
